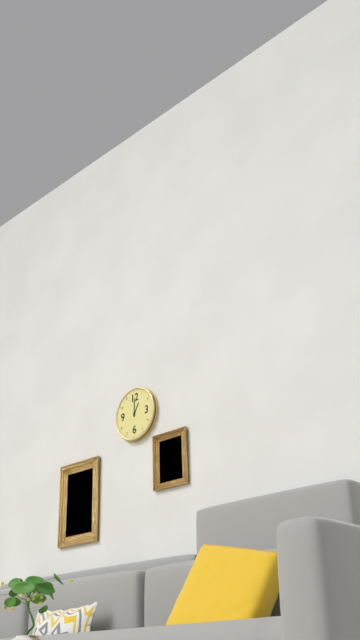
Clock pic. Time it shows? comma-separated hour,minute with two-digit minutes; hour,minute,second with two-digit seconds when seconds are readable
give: 1,00
